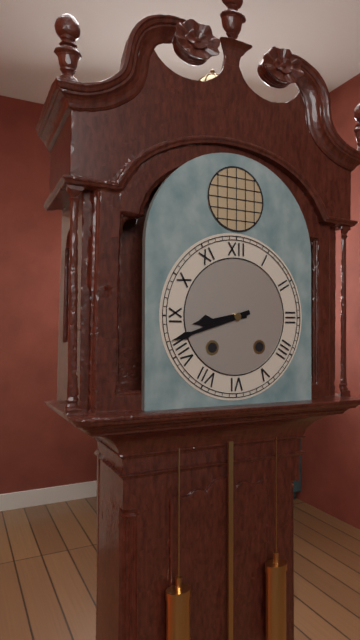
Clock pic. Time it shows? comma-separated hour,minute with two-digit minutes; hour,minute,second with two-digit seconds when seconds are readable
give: 8,42
